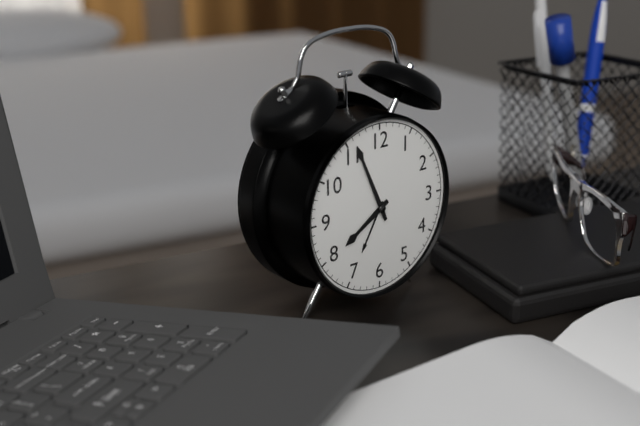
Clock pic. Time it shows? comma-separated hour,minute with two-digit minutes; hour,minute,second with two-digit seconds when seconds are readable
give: 7,56
